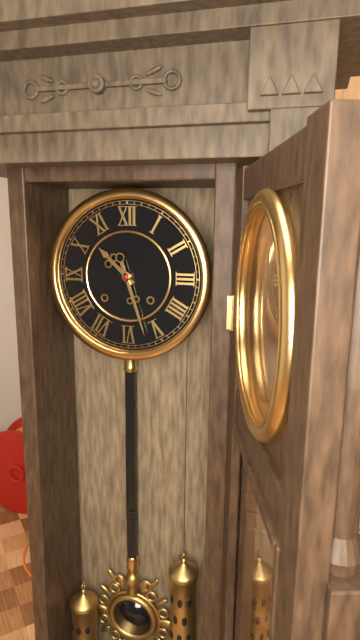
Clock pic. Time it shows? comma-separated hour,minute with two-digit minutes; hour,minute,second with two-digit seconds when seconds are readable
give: 10,27
